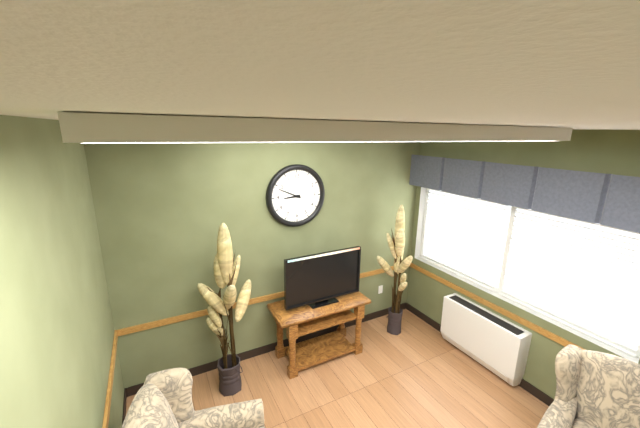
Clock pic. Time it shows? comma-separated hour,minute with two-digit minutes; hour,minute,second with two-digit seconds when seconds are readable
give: 8,49
